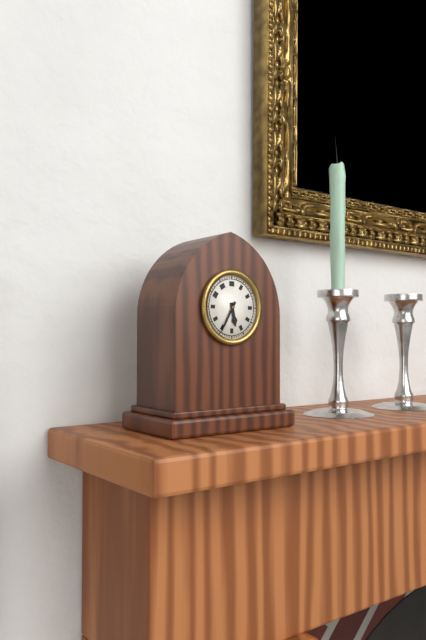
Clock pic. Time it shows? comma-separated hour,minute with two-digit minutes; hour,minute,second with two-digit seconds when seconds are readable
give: 5,35
